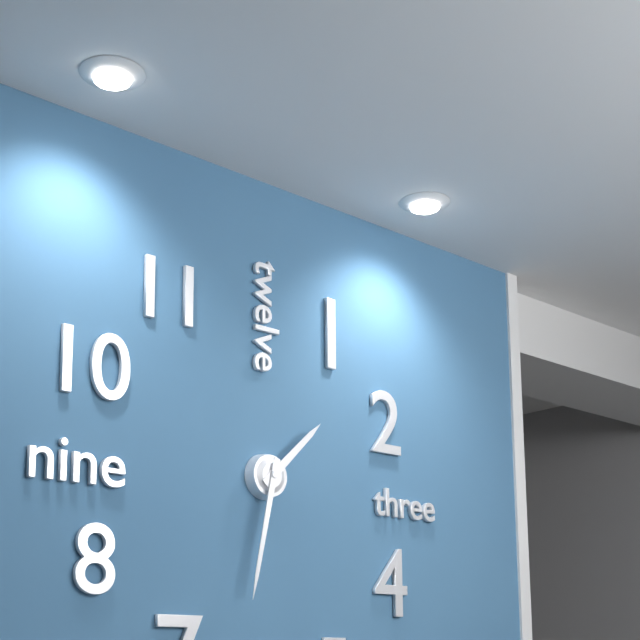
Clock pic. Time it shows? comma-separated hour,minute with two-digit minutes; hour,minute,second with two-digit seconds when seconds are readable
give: 1,32
